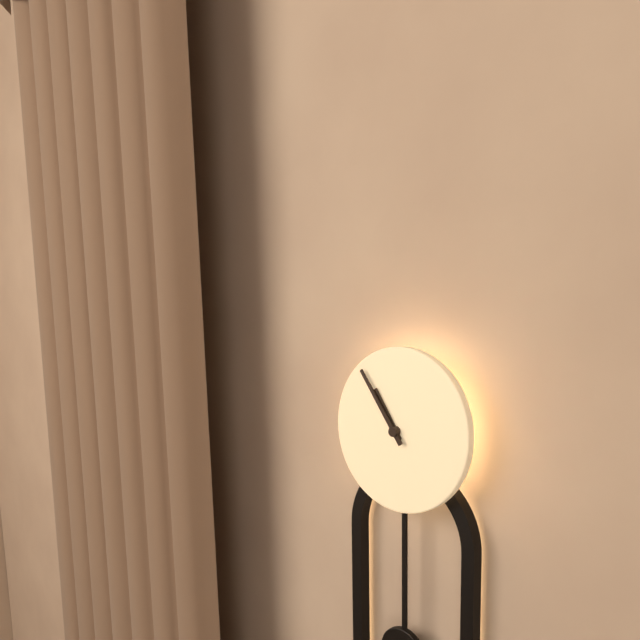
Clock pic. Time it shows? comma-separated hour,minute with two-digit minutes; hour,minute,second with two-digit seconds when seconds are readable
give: 10,54
